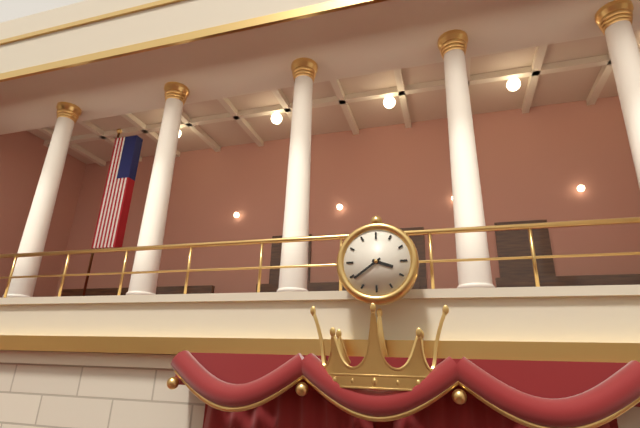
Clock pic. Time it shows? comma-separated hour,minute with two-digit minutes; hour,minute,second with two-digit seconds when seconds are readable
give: 3,39
